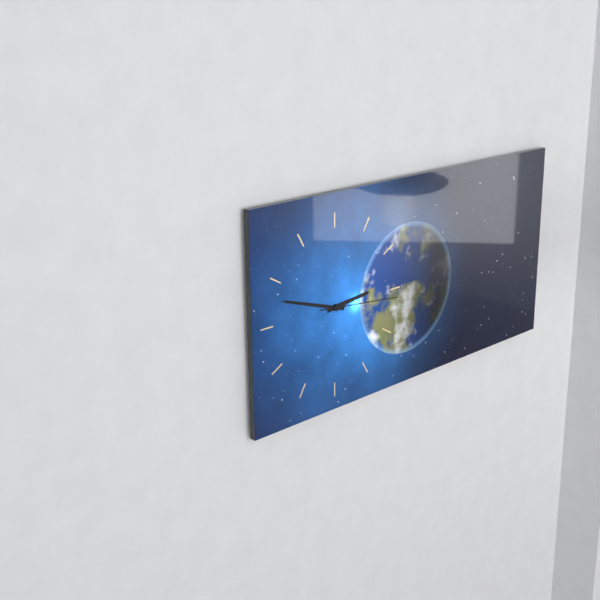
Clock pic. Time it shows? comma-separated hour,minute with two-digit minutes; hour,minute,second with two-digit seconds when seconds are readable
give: 2,48,16
